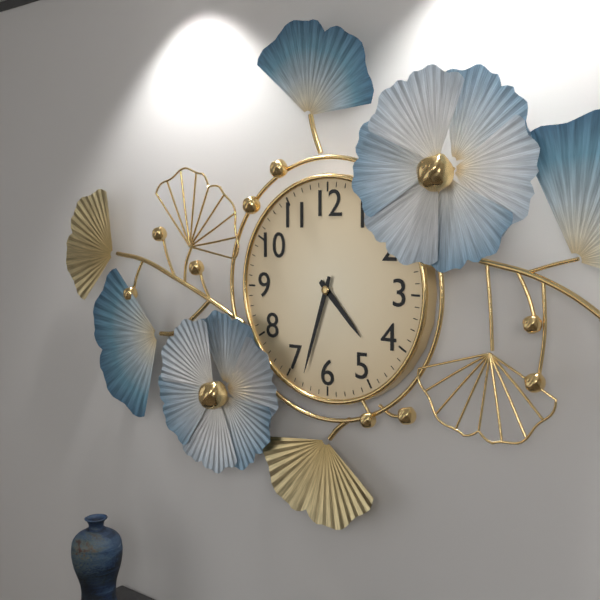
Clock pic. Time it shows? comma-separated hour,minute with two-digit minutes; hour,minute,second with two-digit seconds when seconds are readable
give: 4,33
